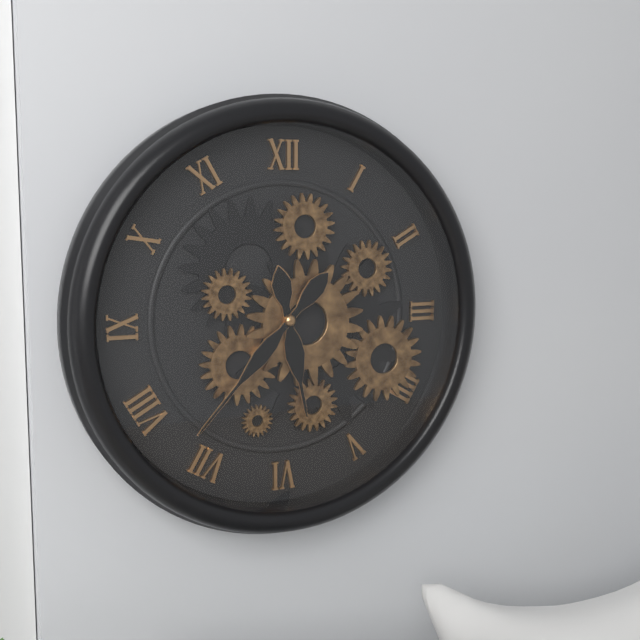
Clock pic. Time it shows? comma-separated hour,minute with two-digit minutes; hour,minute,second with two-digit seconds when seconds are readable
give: 5,37
